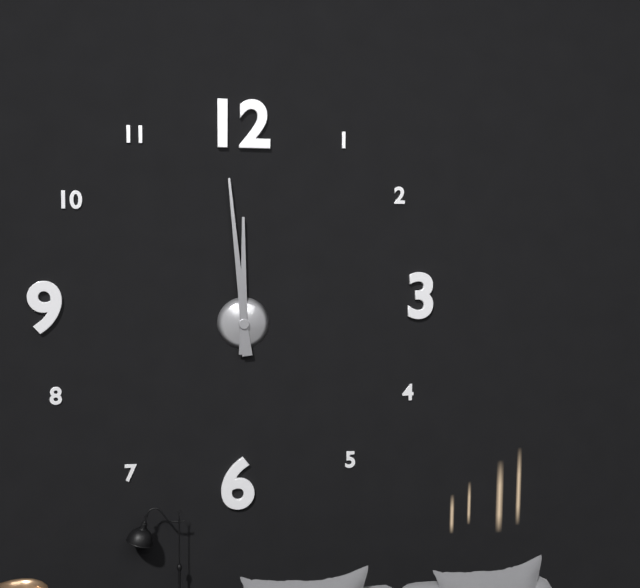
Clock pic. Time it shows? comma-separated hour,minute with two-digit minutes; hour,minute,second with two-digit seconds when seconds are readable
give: 11,59
